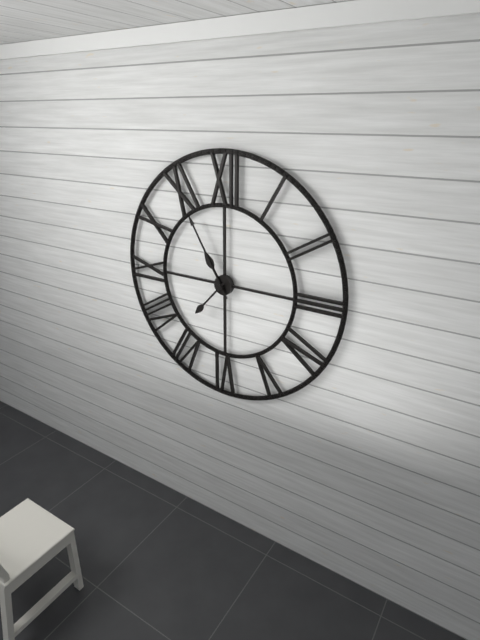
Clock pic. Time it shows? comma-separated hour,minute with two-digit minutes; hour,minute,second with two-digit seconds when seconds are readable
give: 10,55,37
